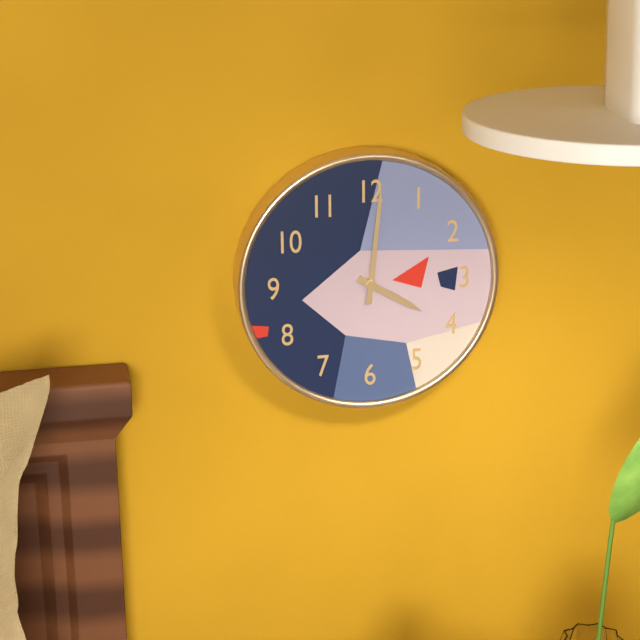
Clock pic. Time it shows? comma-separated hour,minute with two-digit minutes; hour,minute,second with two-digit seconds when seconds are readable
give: 4,01
